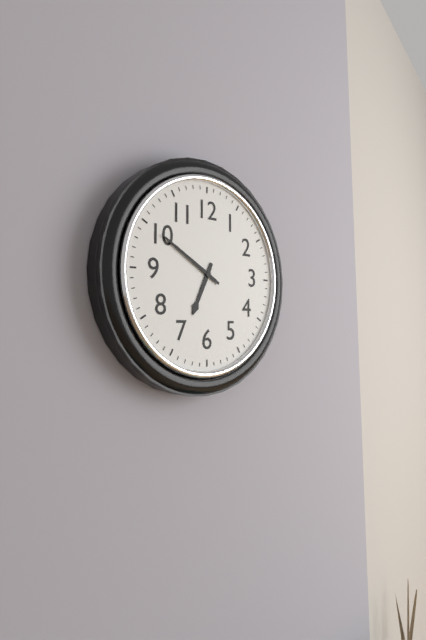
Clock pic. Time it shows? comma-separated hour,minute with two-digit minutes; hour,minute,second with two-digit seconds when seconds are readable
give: 6,50
